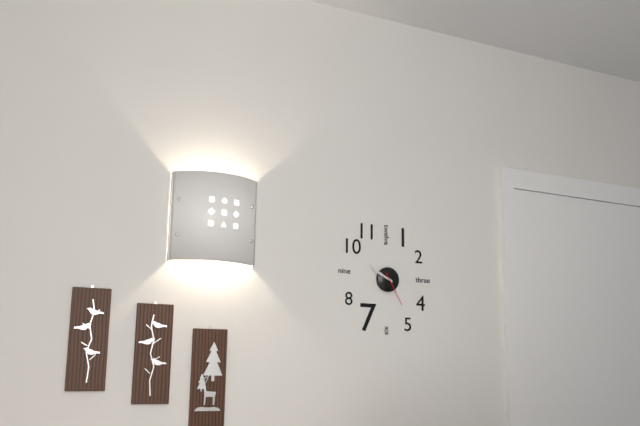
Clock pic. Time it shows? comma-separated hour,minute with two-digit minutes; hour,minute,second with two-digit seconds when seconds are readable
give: 9,50
